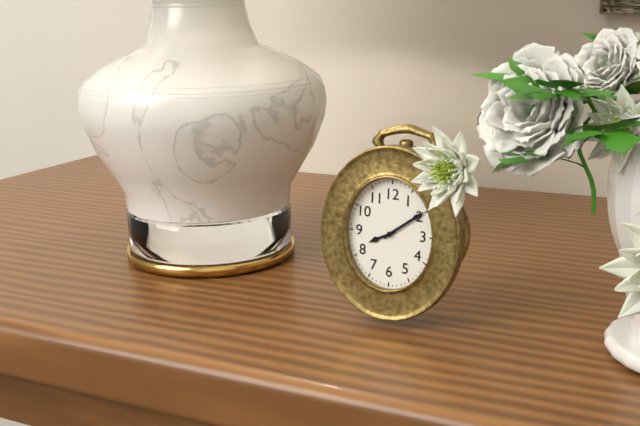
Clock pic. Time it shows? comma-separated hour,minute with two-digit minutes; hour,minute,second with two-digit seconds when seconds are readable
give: 8,09
